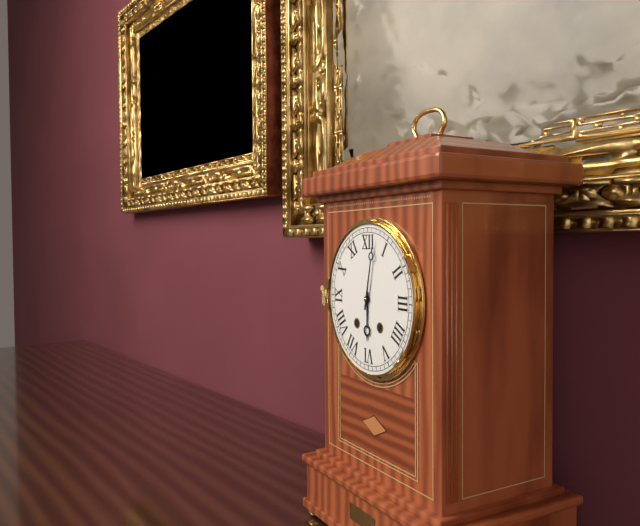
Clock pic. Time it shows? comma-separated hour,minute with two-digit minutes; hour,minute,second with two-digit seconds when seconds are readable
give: 6,02
